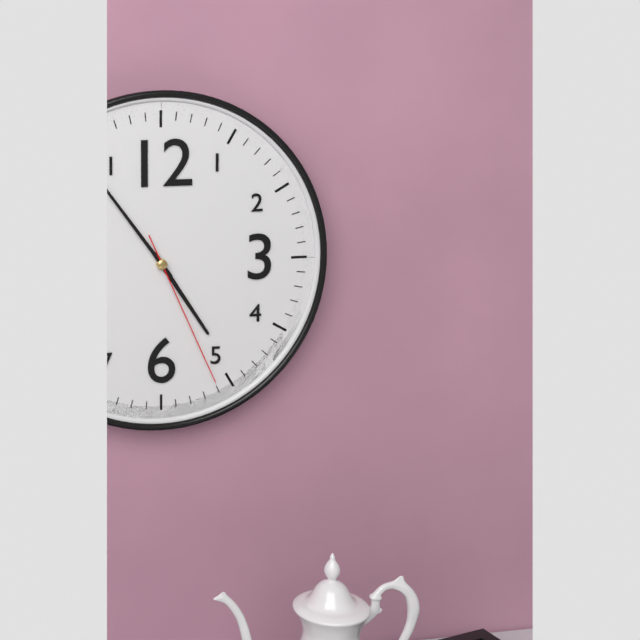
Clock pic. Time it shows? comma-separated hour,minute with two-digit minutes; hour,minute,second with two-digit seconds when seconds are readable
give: 4,54,26
